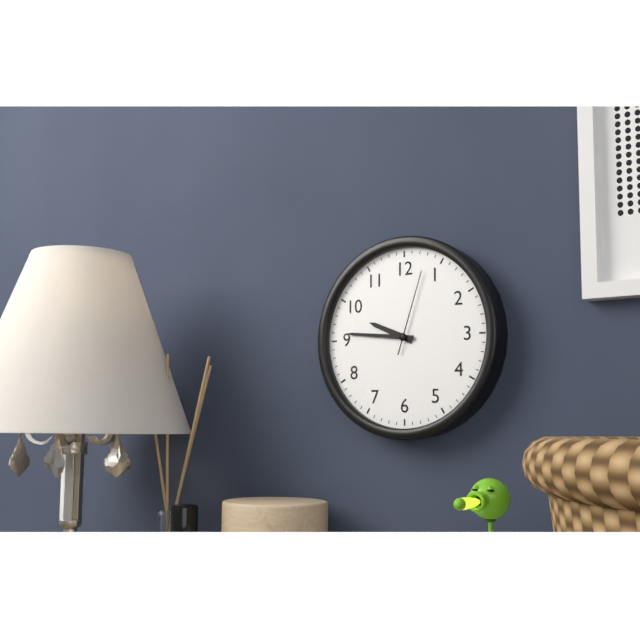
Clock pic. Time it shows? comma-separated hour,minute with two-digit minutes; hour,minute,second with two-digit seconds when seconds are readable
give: 9,46,03
